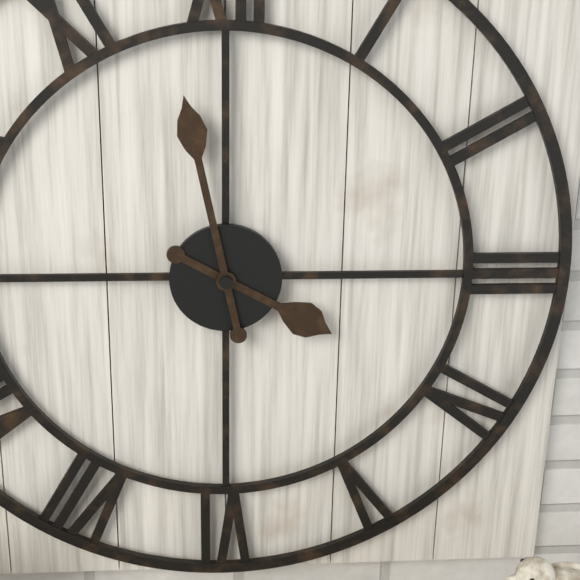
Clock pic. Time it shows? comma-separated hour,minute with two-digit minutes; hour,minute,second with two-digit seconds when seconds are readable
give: 3,58
